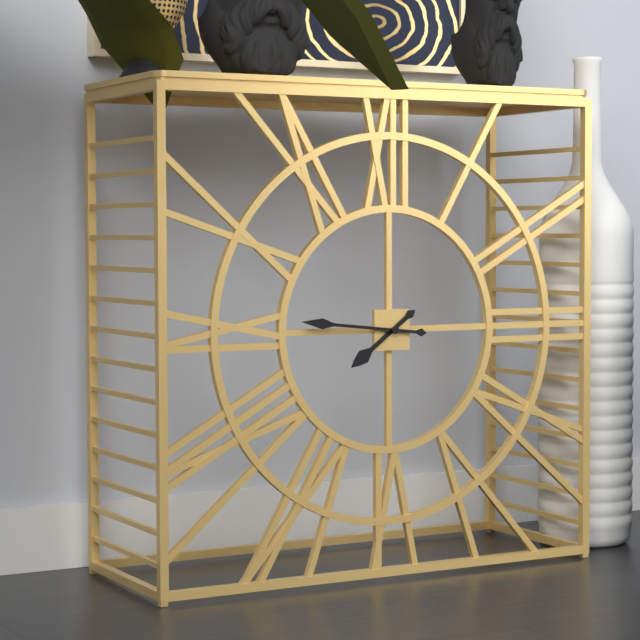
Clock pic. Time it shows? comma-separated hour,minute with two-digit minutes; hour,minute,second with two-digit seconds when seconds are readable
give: 7,46
